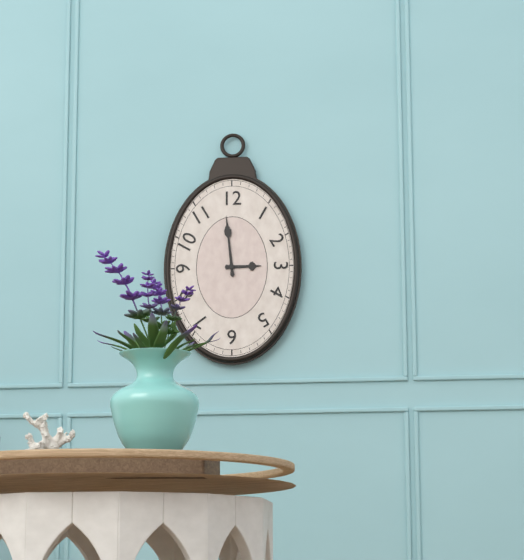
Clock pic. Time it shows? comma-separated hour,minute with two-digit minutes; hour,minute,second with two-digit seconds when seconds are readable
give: 2,59
